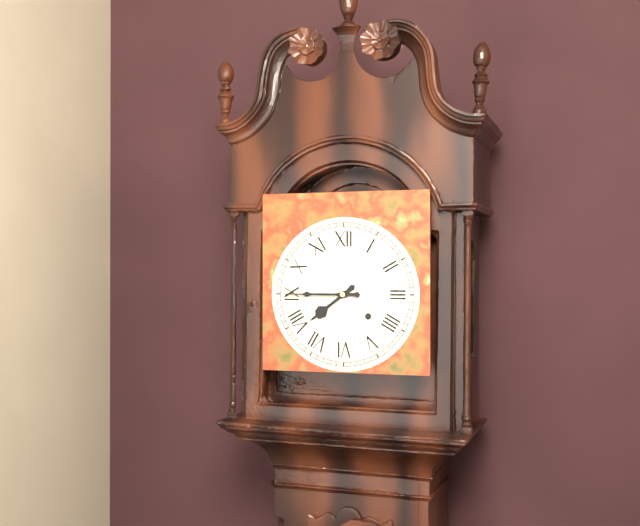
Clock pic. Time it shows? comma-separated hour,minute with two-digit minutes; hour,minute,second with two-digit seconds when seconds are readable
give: 7,45
